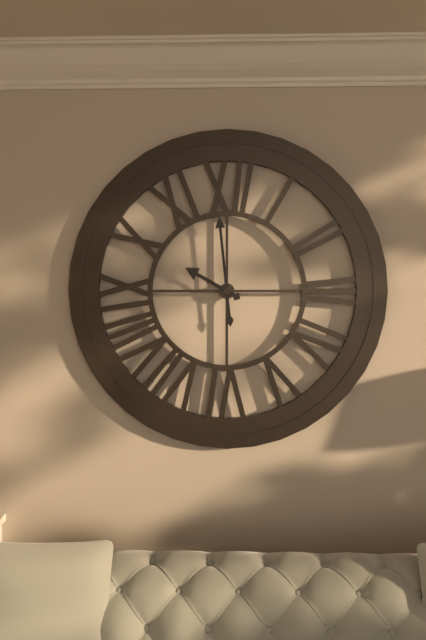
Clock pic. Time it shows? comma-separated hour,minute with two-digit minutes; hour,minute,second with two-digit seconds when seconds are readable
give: 9,59
